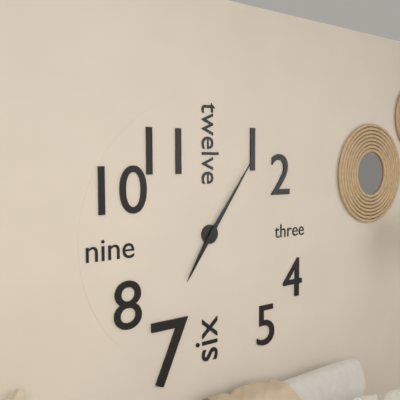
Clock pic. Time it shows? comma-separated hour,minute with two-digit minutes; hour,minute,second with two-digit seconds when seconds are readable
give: 7,06
